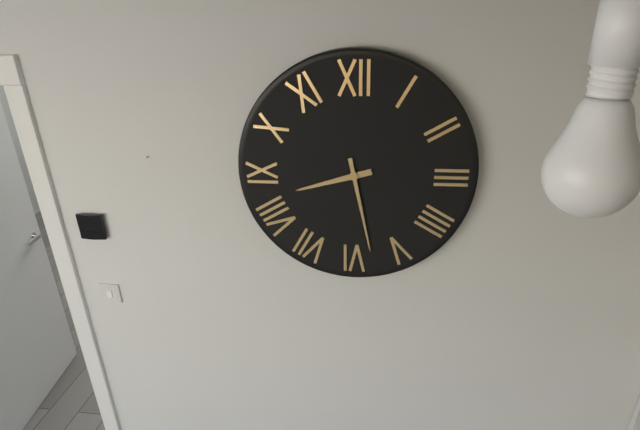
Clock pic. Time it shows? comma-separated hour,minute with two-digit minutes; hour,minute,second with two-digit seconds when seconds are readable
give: 8,28
